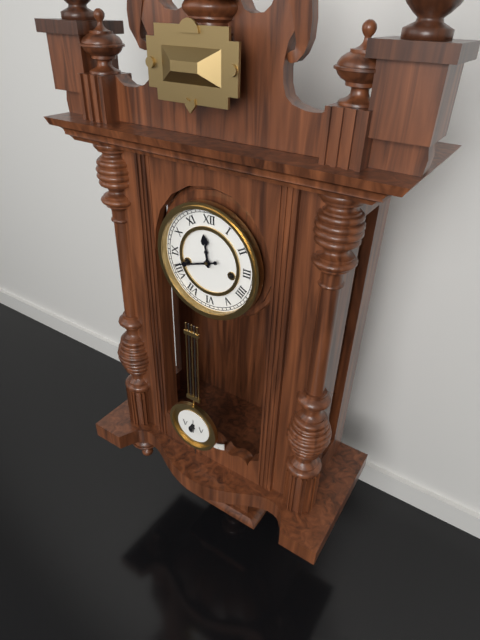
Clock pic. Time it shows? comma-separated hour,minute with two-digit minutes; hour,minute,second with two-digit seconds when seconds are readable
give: 11,42
